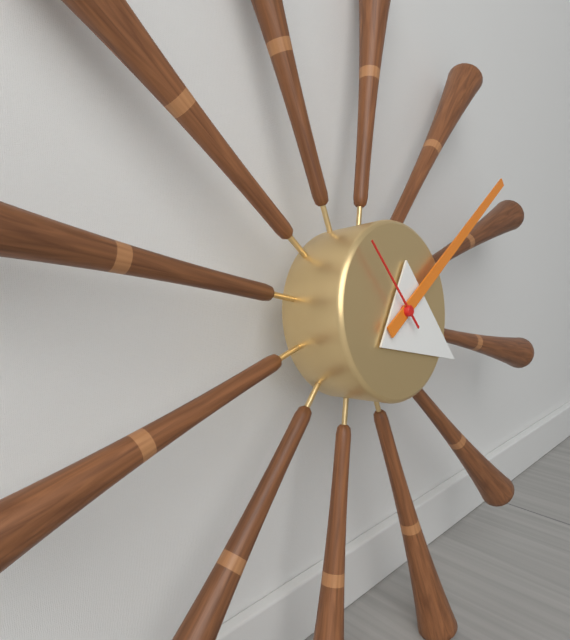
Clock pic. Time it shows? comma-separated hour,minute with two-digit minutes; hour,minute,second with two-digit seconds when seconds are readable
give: 4,10,54
